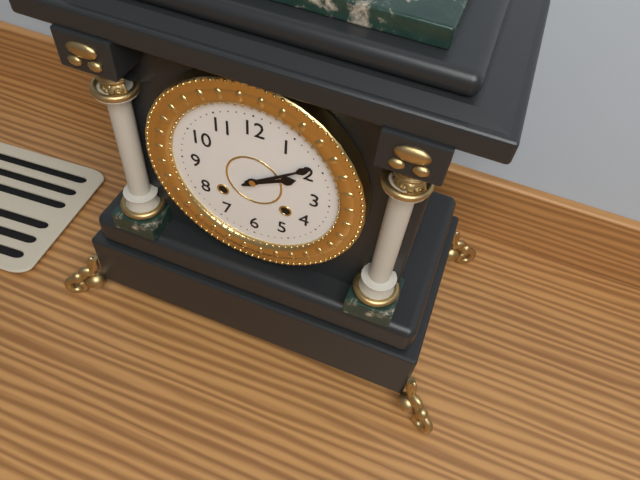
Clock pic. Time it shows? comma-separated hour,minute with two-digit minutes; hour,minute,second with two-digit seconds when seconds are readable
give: 2,09
